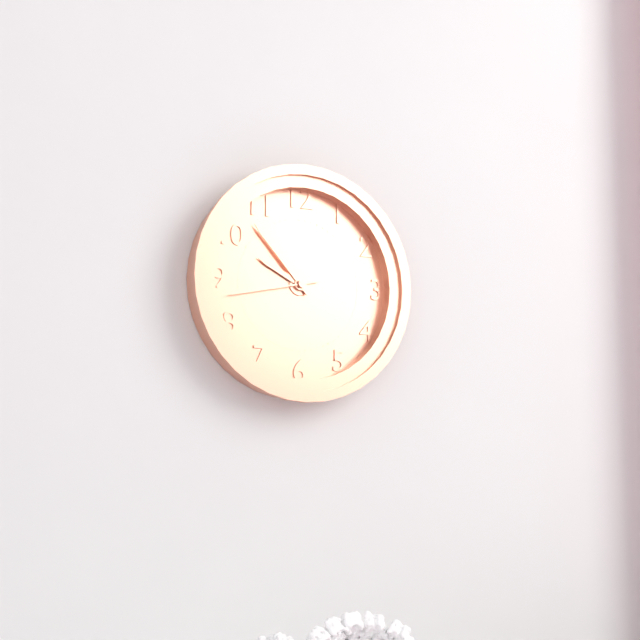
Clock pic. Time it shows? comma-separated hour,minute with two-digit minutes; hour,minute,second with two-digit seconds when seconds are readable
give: 9,53,43
